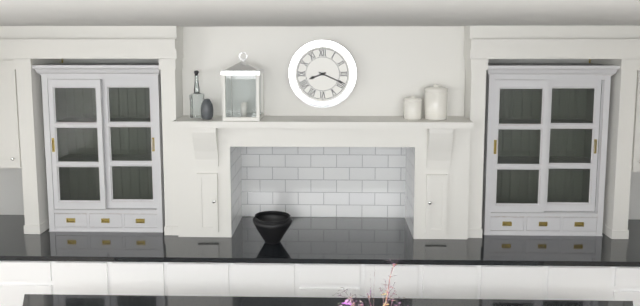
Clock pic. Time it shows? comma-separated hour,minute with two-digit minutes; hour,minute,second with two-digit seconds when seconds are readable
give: 8,19
